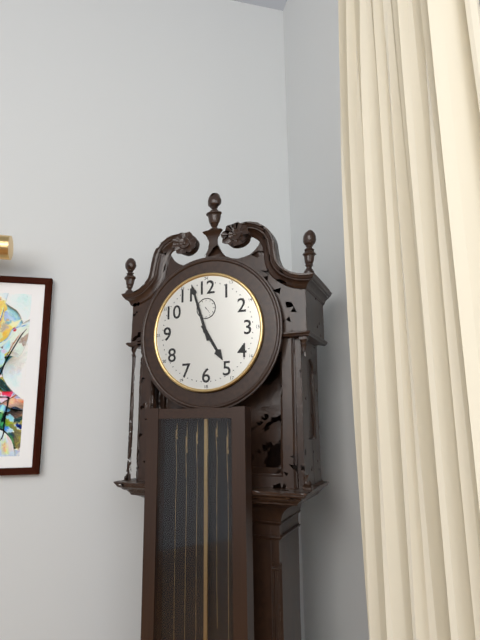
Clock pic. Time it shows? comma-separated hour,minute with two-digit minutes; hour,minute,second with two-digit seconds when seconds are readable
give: 4,57
